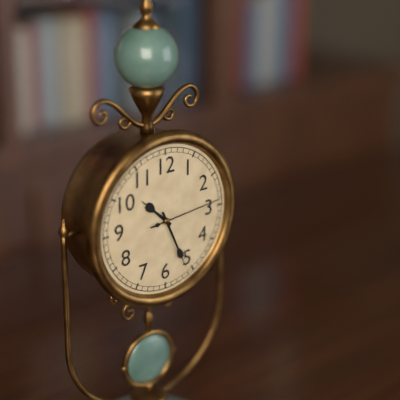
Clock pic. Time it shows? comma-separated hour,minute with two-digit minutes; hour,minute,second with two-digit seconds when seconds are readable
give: 10,26,14
